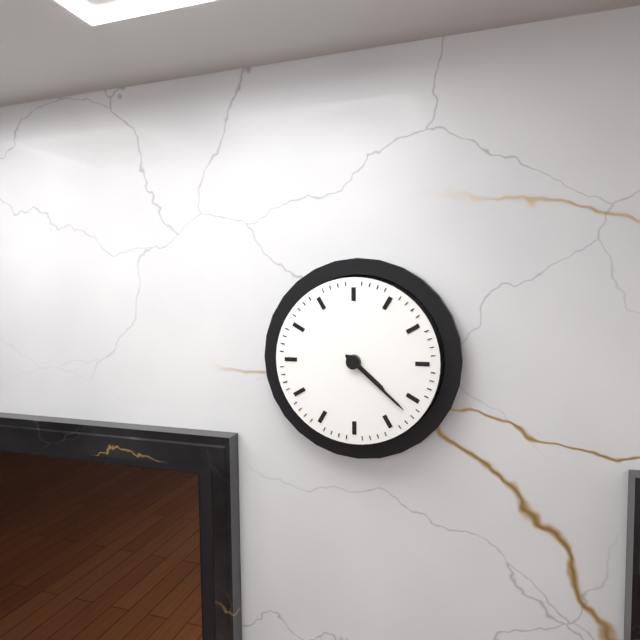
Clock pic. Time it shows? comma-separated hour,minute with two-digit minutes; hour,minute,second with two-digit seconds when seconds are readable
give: 4,22
